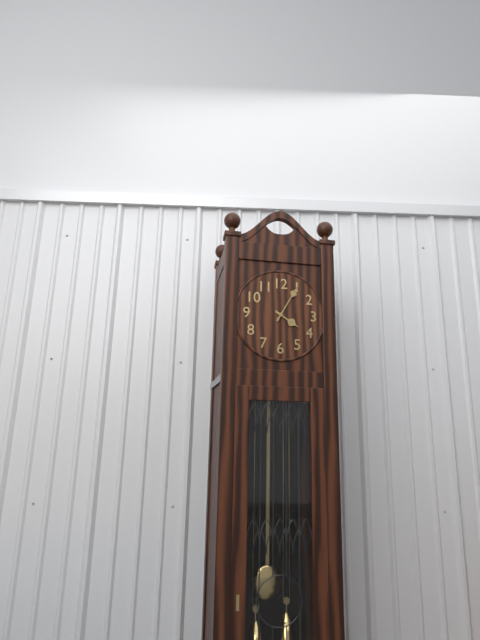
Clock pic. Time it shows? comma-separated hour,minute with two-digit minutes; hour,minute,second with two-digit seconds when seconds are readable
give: 4,05
